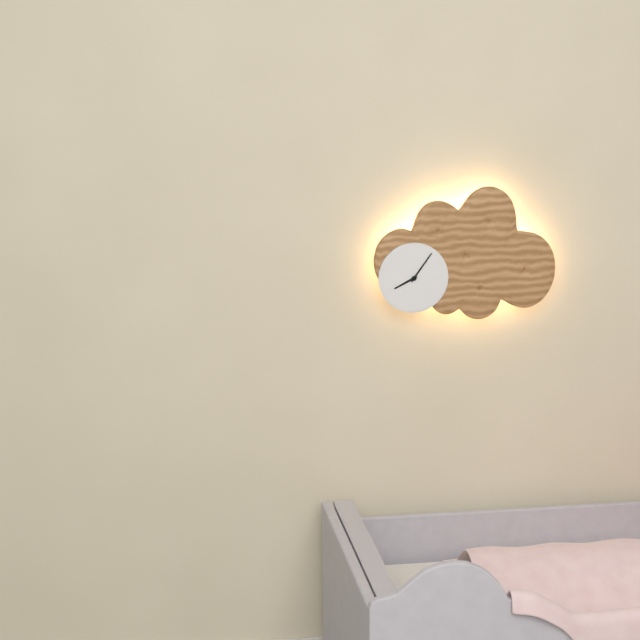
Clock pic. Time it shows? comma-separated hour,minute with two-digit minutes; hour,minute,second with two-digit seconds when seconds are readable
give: 8,06
